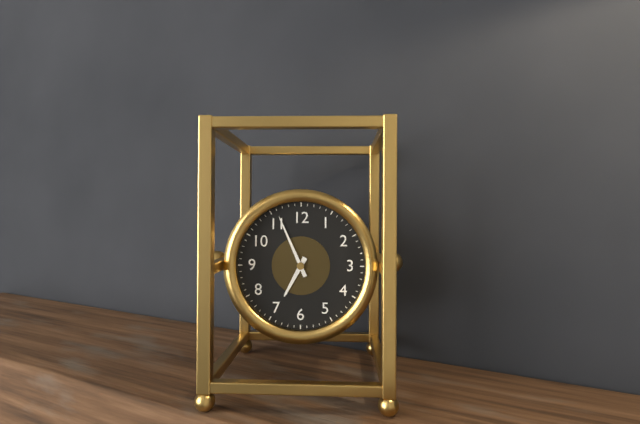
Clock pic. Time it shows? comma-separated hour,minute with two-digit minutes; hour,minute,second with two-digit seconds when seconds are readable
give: 6,56
